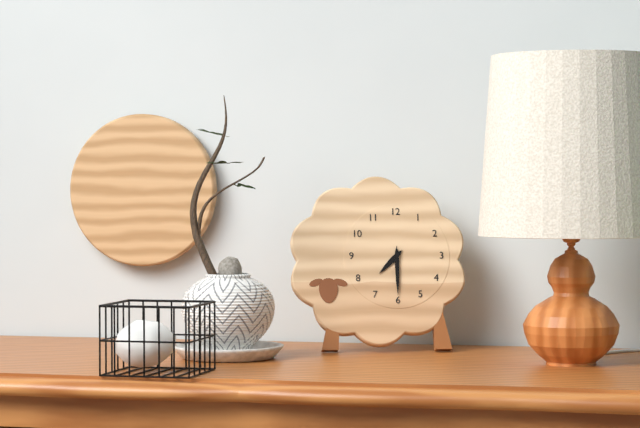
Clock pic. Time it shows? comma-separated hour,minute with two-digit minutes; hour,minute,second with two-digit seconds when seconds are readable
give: 7,30
